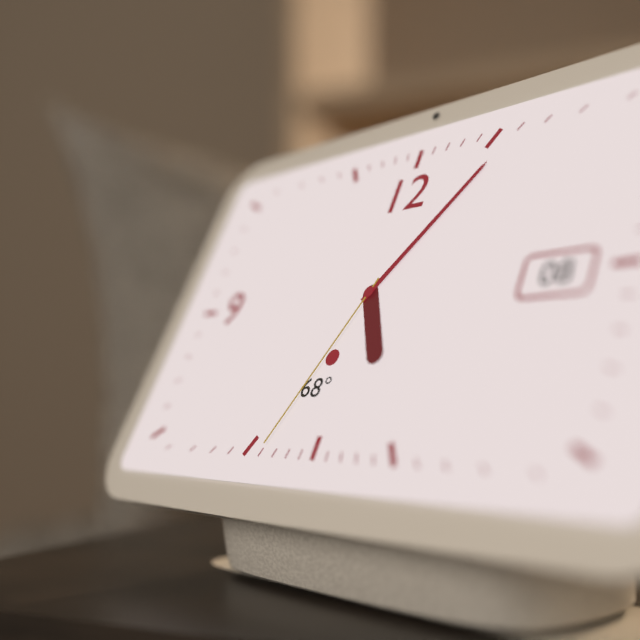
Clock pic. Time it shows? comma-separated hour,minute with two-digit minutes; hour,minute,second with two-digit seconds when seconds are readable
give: 5,06,34
